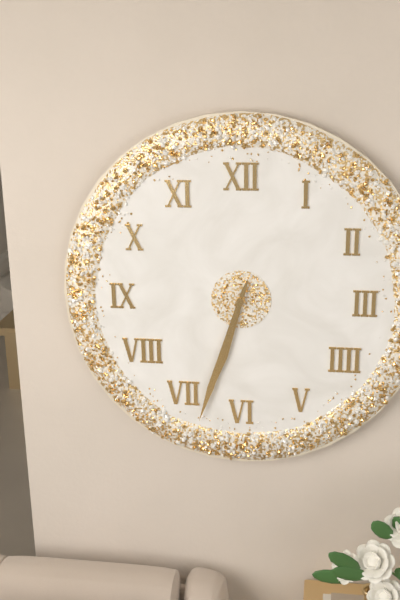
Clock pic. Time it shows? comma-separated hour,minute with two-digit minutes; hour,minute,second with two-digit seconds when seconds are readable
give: 6,33
